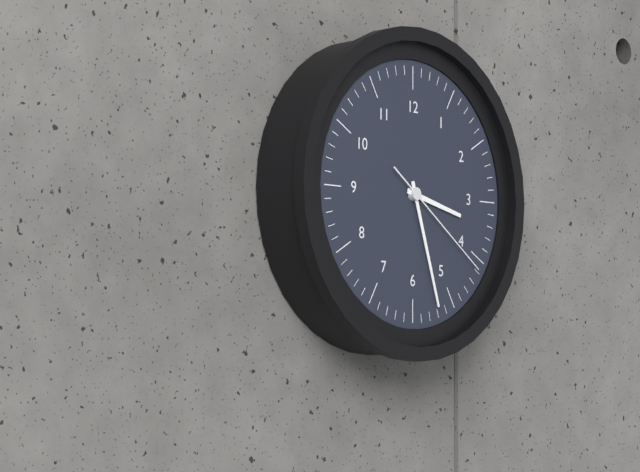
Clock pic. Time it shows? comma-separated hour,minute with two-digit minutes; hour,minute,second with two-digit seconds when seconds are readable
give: 3,27,21
